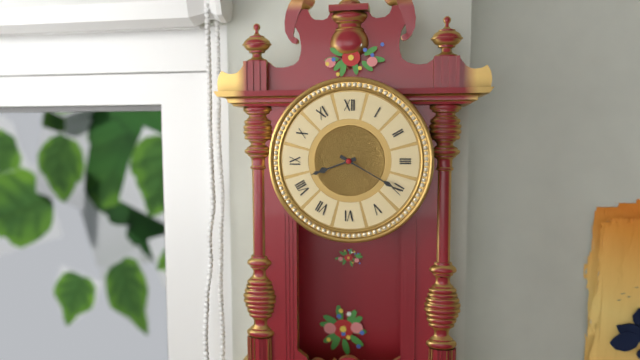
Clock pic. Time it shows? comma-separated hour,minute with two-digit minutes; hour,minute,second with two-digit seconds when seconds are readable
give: 8,20
